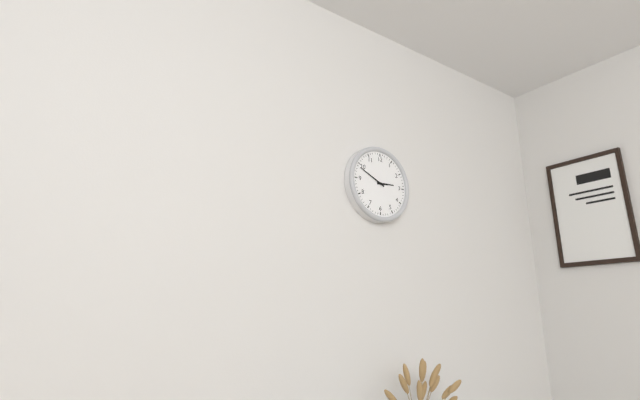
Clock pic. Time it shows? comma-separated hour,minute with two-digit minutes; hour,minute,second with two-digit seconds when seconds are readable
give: 2,49
